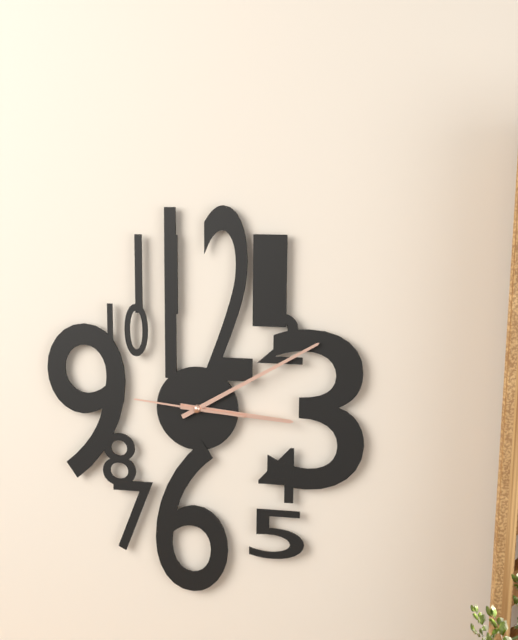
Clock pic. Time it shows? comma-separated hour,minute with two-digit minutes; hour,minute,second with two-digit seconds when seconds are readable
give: 3,10,46
